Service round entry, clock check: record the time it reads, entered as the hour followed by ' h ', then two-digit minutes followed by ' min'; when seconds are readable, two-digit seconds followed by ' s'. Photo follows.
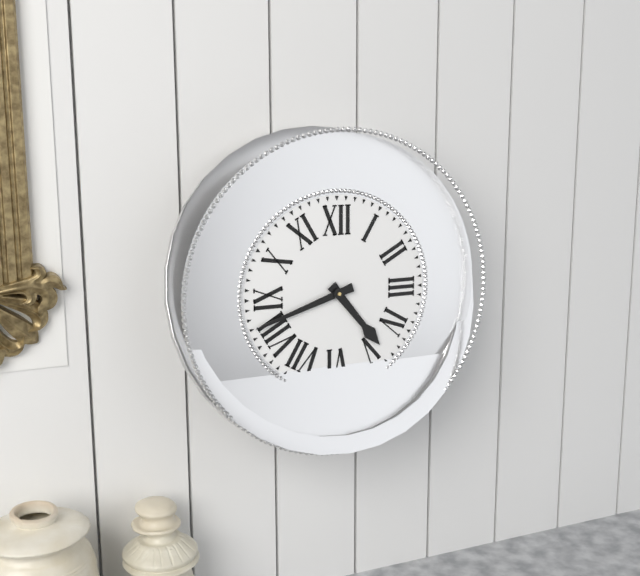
4 h 42 min
